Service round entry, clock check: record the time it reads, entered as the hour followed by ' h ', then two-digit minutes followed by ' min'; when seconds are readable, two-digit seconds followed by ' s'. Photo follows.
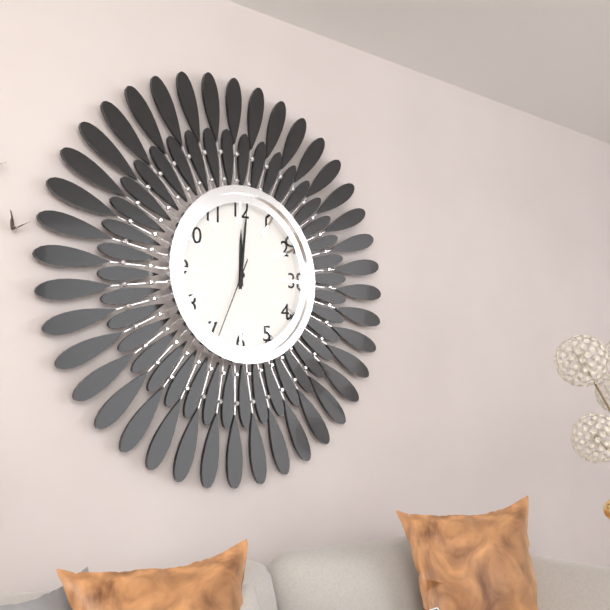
12 h 01 min 34 s
